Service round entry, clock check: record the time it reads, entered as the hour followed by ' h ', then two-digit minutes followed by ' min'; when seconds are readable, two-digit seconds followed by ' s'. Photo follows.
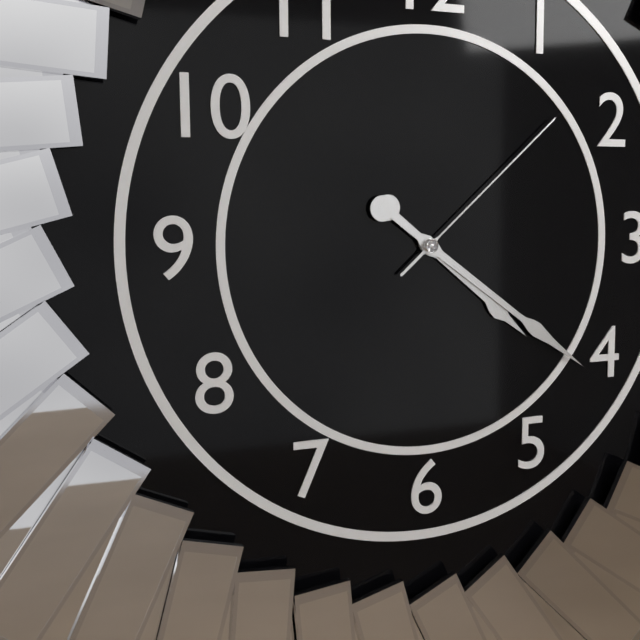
4 h 21 min 08 s
